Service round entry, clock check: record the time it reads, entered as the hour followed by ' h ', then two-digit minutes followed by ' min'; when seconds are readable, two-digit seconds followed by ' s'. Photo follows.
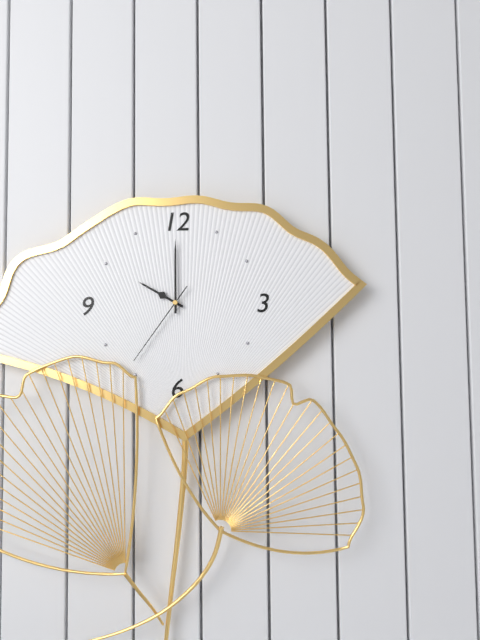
10 h 00 min 36 s
